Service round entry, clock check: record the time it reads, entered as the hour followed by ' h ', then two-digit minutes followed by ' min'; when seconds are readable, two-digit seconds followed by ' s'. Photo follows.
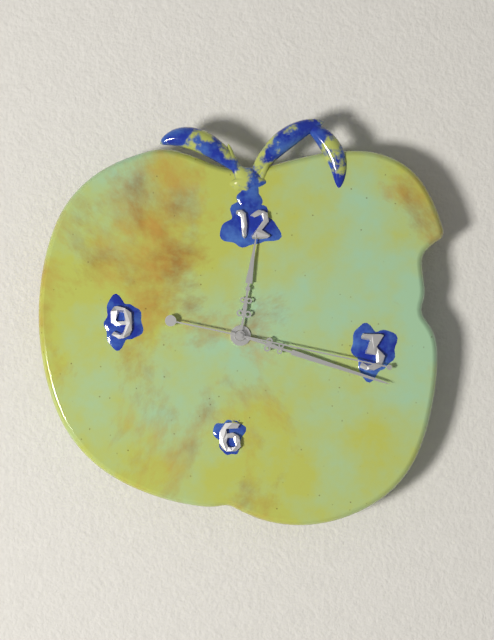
12 h 18 min 17 s
